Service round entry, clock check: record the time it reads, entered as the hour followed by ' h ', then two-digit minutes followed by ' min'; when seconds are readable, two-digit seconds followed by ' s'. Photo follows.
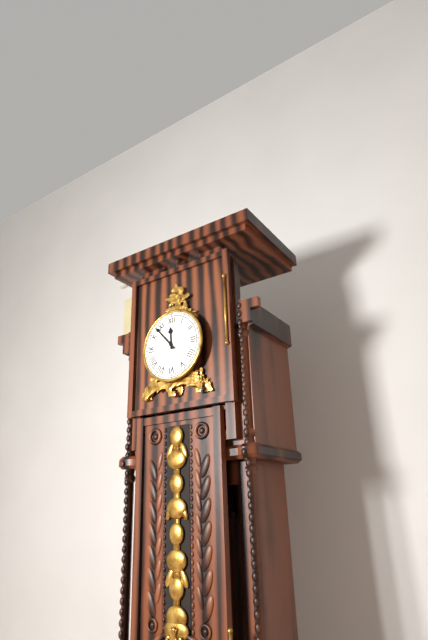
11 h 53 min
